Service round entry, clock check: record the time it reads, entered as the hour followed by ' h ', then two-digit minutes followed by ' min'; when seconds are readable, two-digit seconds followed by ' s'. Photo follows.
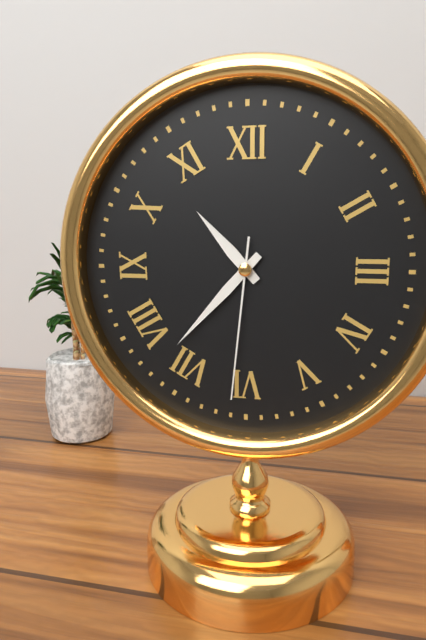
10 h 37 min 31 s
